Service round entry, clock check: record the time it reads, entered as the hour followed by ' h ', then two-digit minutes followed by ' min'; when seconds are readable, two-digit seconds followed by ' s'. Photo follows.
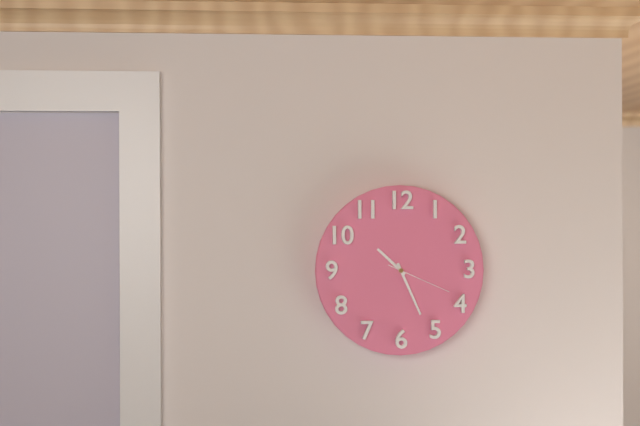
10 h 26 min 19 s
